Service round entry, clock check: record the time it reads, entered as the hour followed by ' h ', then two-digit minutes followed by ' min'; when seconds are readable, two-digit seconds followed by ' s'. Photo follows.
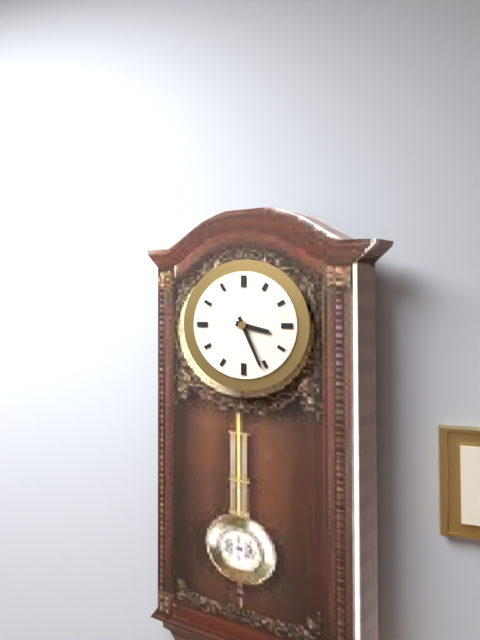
3 h 26 min
